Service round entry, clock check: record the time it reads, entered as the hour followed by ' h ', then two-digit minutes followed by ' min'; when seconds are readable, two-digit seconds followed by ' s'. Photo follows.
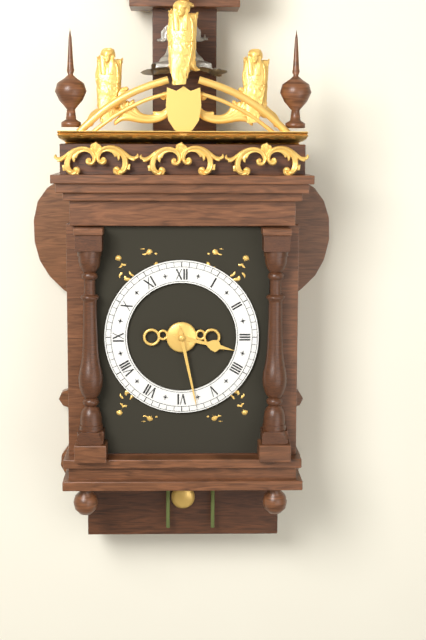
3 h 28 min
